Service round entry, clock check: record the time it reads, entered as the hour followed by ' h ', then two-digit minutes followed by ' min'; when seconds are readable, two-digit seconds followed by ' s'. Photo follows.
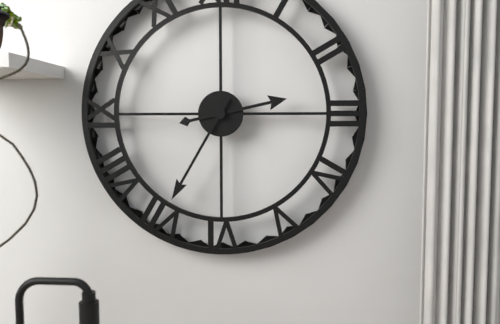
2 h 35 min
